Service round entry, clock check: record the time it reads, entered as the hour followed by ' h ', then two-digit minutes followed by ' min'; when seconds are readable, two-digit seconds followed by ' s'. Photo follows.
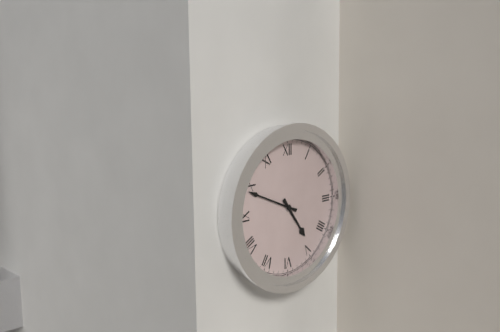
4 h 49 min
